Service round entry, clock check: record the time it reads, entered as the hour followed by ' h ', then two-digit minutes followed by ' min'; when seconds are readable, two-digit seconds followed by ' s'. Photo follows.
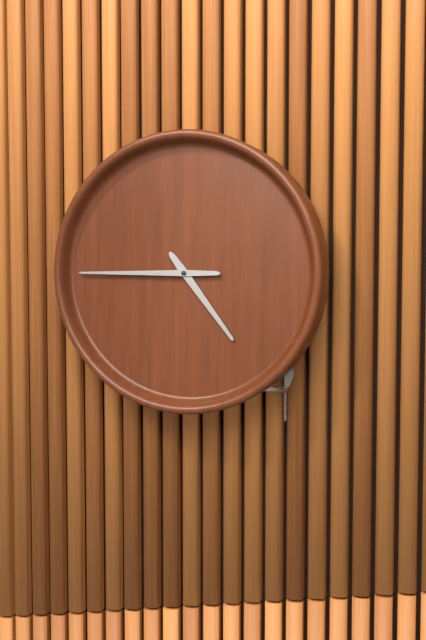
4 h 45 min
